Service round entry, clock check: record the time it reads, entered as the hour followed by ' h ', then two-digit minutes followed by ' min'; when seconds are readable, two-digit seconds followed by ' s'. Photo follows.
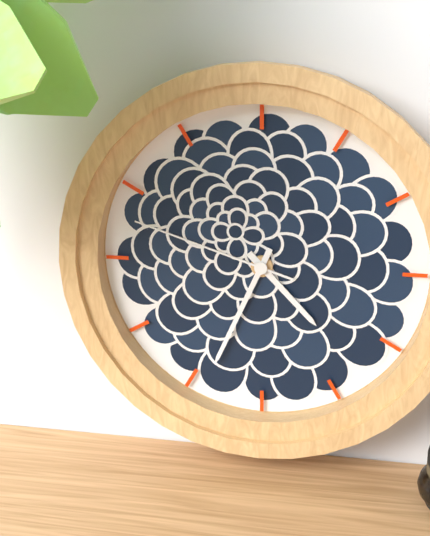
4 h 34 min 48 s
